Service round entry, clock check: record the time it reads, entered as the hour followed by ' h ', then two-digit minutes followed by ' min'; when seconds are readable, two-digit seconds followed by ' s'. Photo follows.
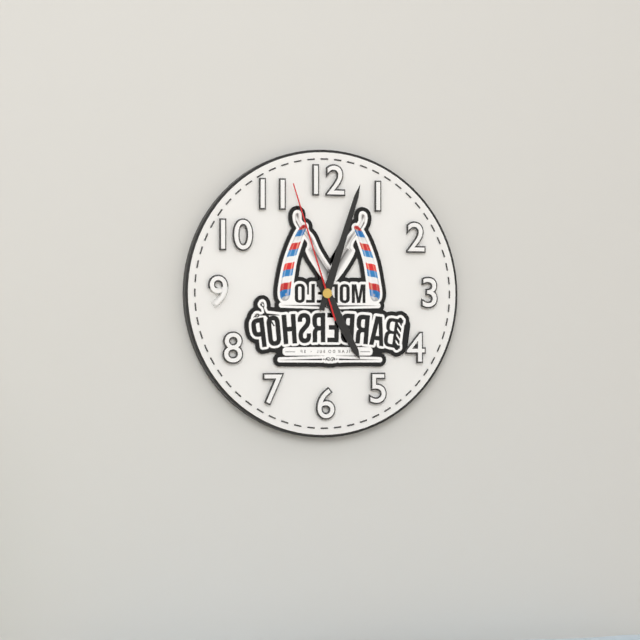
5 h 03 min 57 s
